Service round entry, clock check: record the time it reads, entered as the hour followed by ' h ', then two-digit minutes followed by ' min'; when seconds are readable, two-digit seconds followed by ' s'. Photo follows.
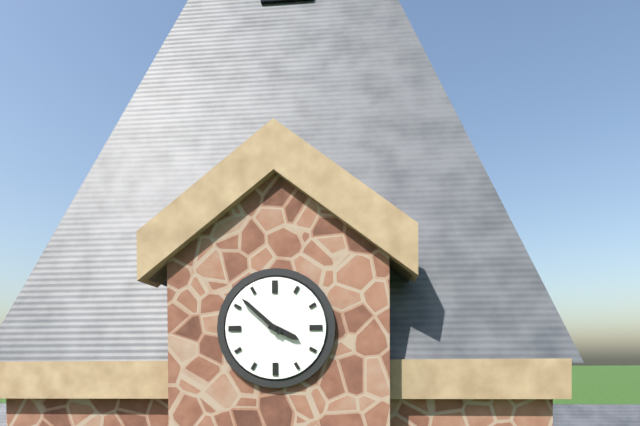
3 h 52 min
